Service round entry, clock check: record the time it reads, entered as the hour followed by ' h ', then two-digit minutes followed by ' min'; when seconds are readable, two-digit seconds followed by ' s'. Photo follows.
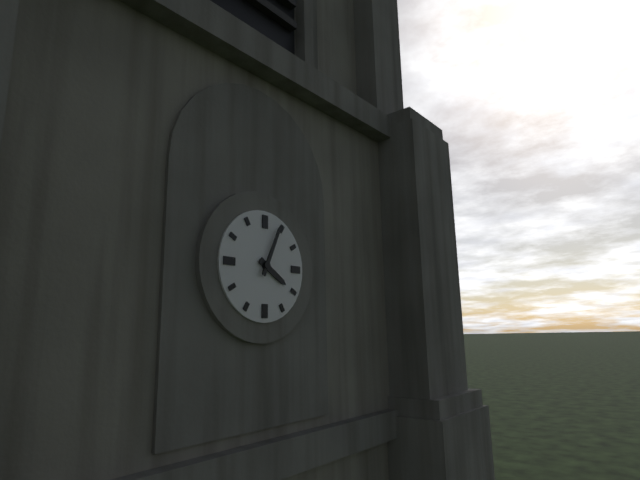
4 h 04 min
